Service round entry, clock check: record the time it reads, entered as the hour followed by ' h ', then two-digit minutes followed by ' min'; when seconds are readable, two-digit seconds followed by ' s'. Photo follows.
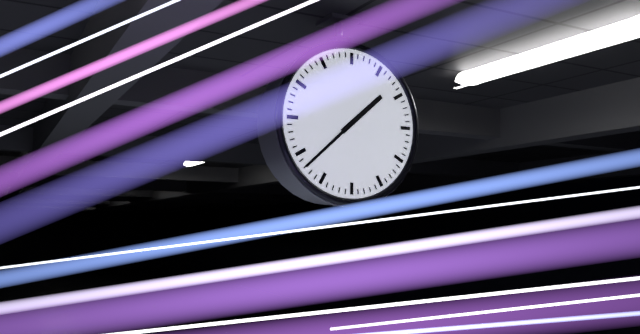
1 h 38 min
